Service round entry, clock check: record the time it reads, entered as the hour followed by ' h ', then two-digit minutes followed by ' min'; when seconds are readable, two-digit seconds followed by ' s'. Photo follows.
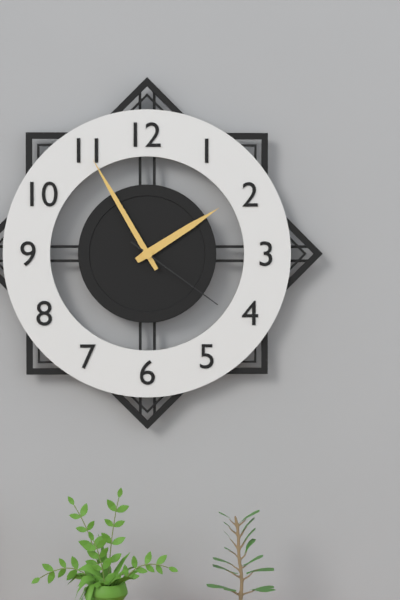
1 h 55 min 21 s
